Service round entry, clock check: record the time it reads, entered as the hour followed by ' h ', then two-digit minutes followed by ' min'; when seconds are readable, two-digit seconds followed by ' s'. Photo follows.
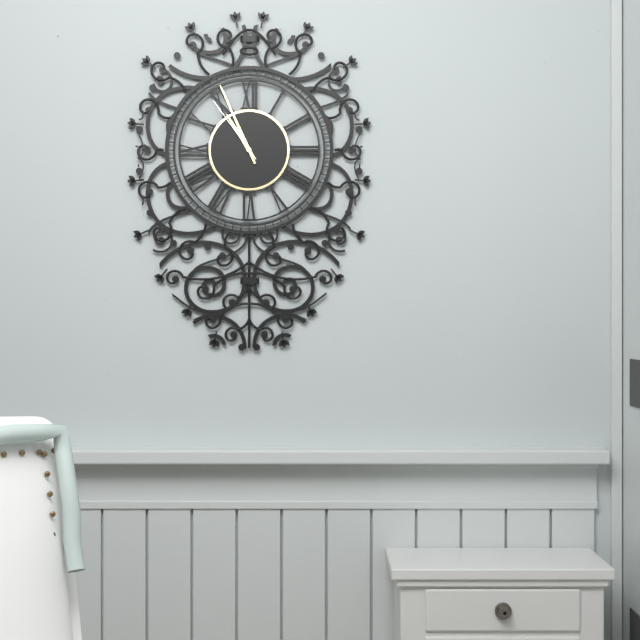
10 h 56 min 54 s
